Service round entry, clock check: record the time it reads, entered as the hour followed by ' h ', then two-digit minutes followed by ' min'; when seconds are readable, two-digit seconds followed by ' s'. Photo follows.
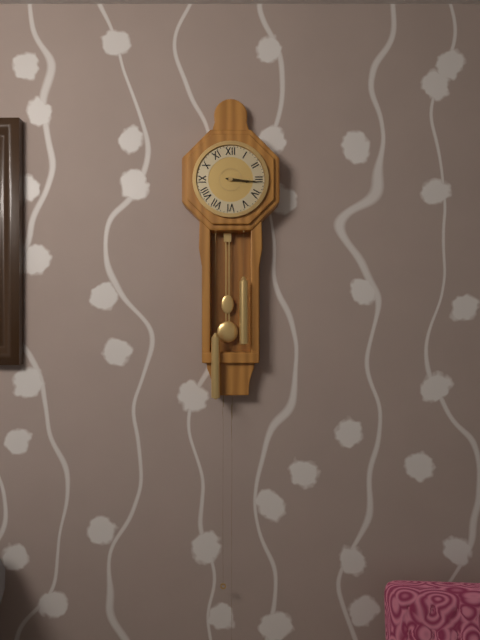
3 h 16 min
